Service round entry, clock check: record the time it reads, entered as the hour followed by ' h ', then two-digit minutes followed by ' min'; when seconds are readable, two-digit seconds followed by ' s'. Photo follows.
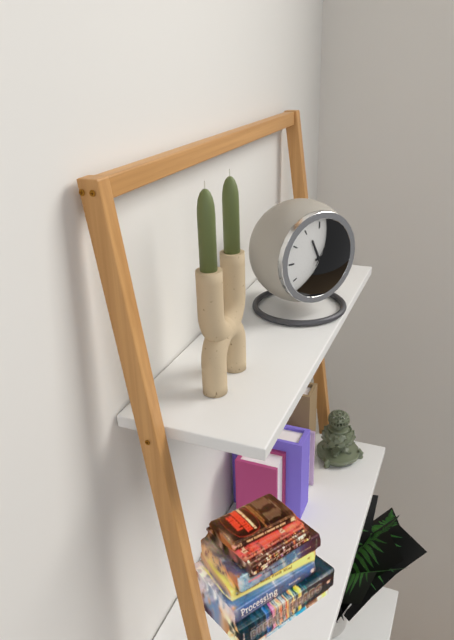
11 h 12 min
